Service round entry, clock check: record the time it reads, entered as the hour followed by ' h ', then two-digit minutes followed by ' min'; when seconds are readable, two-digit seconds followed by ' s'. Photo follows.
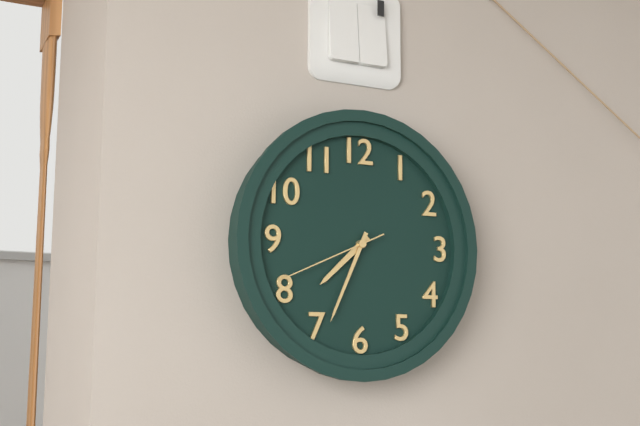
7 h 34 min 41 s
